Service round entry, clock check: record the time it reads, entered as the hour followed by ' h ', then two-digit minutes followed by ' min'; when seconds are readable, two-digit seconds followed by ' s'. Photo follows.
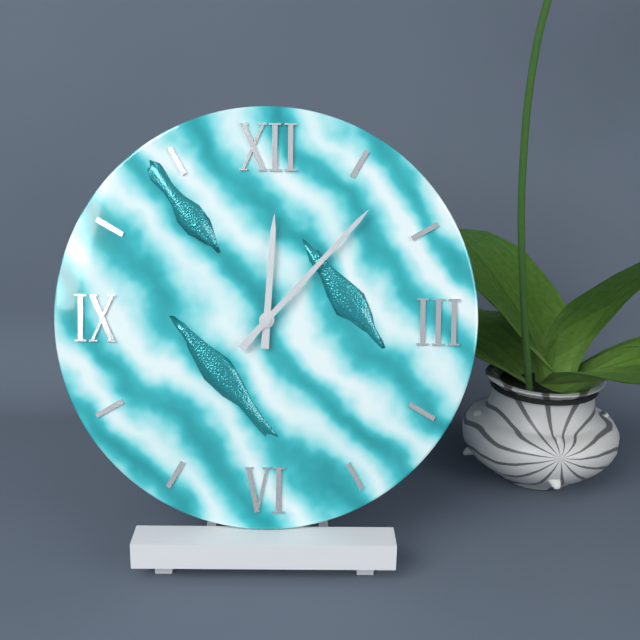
12 h 07 min
